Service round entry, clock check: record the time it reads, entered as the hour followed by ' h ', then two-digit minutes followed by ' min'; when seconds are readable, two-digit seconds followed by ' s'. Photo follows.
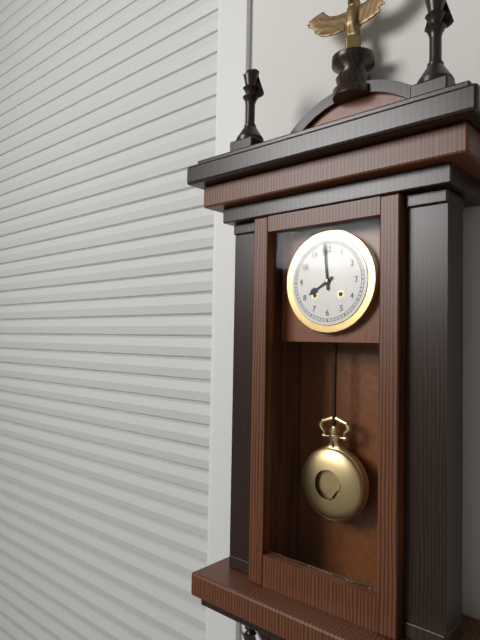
7 h 59 min
